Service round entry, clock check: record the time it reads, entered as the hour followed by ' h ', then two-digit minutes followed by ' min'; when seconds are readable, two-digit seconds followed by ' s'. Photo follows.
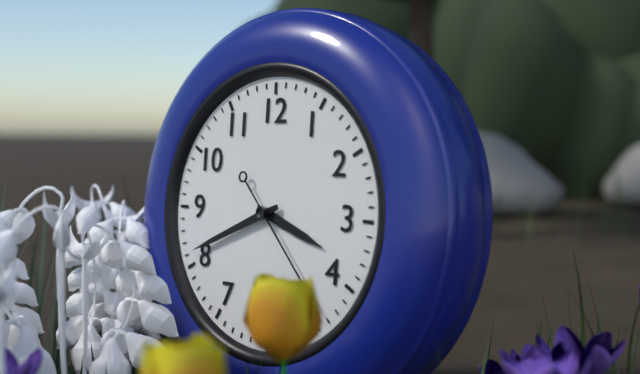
3 h 41 min
